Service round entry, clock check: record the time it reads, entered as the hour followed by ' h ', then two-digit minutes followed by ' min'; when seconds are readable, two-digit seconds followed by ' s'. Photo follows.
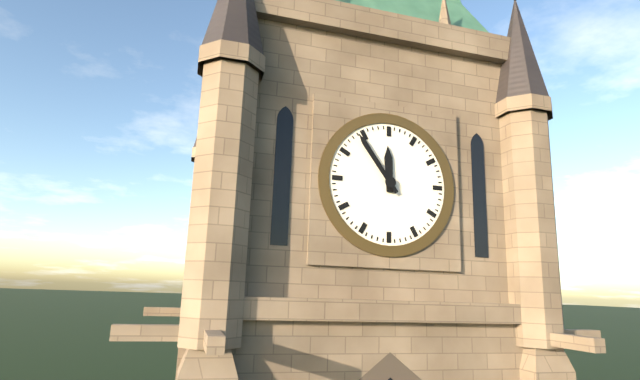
11 h 54 min
